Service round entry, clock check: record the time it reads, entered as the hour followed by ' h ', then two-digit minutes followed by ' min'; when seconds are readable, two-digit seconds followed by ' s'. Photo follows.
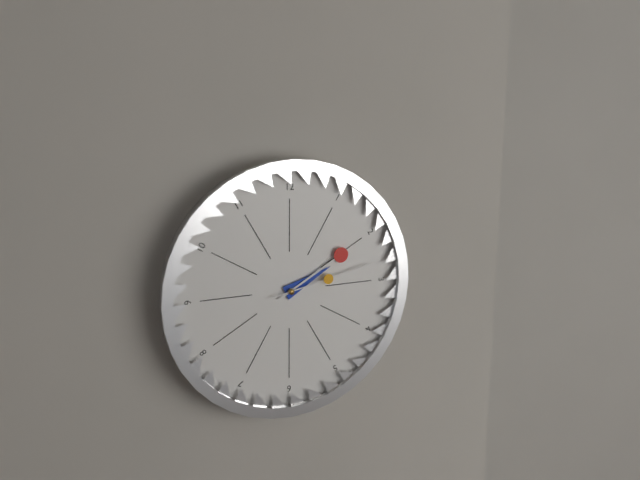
2 h 10 min 13 s
